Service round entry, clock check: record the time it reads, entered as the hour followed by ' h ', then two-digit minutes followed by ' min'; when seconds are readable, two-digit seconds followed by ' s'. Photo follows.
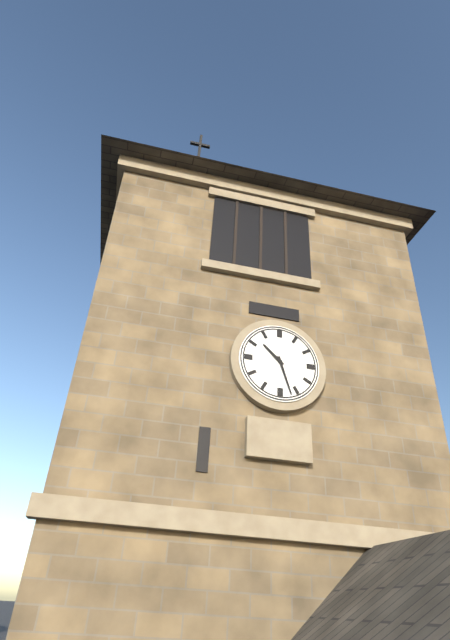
10 h 27 min
